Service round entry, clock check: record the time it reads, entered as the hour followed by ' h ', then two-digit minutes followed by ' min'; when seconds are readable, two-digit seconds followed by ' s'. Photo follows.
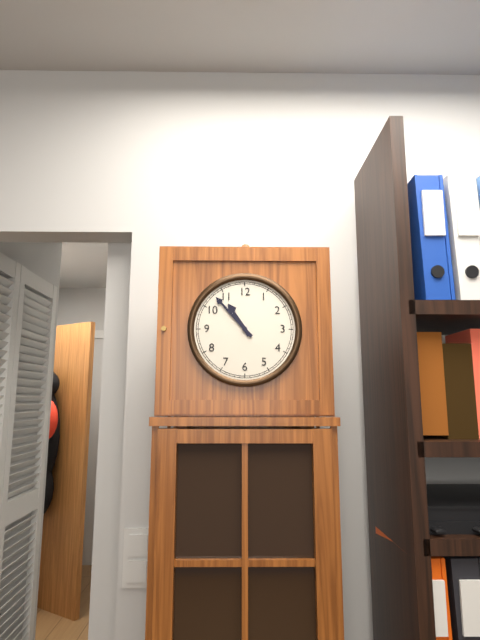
10 h 53 min
